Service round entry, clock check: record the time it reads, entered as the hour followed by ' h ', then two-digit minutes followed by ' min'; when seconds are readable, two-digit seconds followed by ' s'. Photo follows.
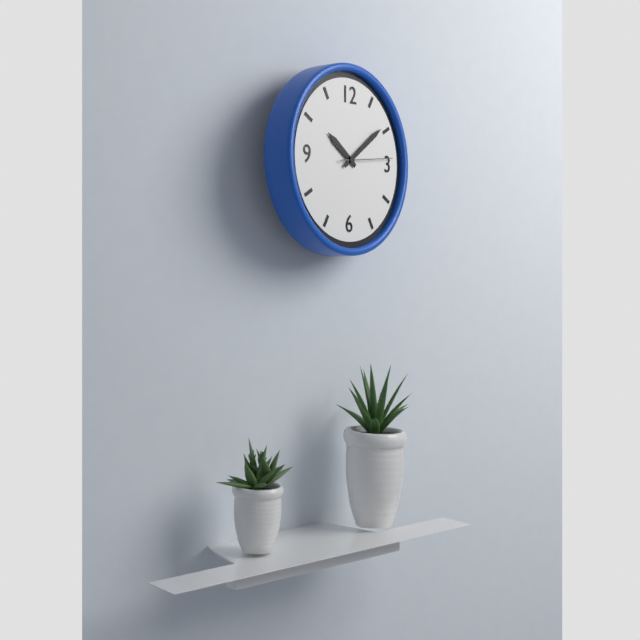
10 h 09 min 14 s
